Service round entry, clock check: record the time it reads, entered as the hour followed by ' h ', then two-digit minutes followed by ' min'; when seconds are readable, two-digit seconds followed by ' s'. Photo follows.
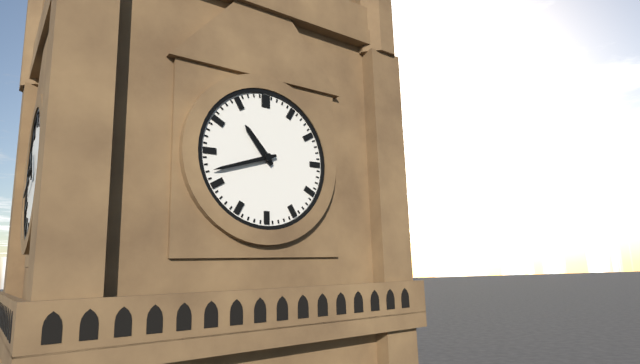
10 h 42 min
